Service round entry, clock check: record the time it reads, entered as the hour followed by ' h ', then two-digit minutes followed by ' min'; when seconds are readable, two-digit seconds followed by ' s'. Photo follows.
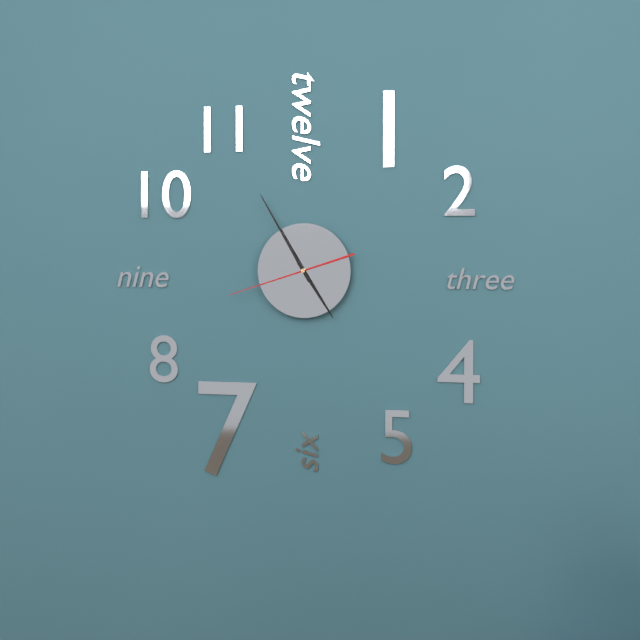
4 h 55 min 42 s
